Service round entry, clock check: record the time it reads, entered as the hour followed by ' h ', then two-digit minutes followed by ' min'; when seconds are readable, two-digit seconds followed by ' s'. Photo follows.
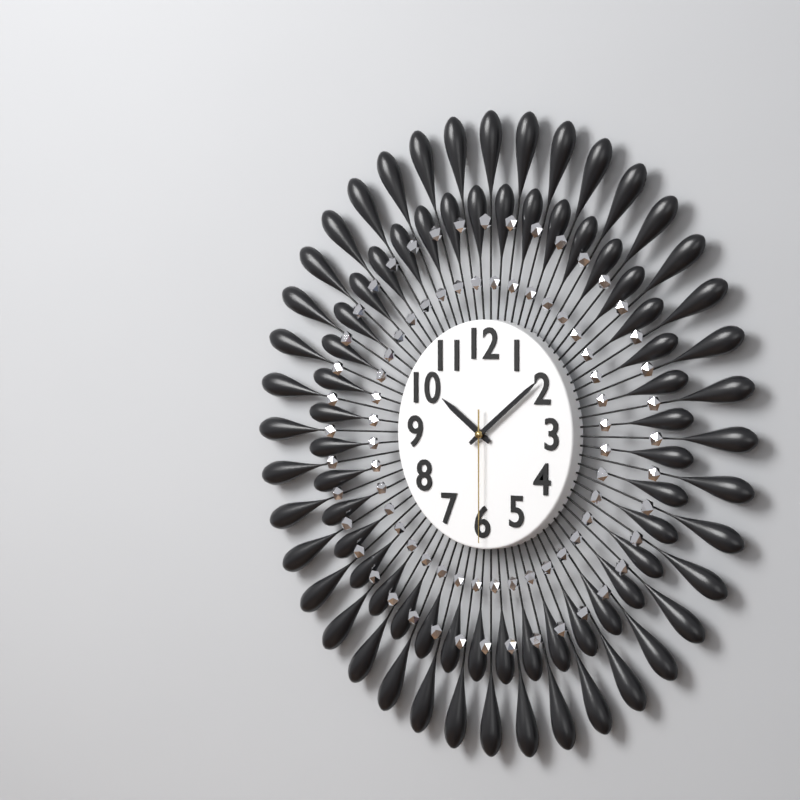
10 h 09 min 30 s
